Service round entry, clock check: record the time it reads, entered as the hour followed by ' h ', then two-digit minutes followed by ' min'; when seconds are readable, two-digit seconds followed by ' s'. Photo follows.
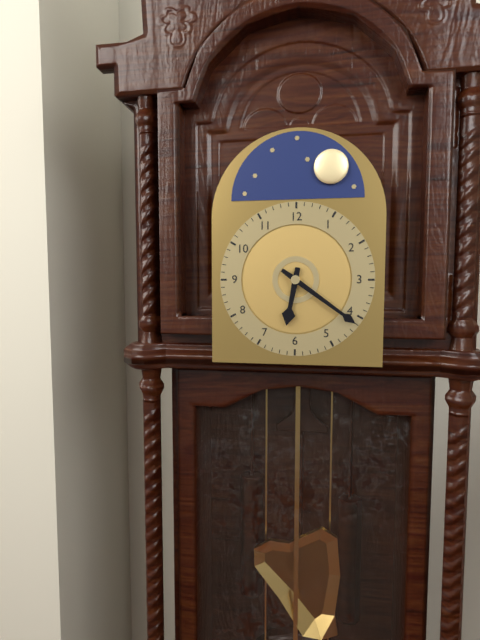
6 h 21 min
